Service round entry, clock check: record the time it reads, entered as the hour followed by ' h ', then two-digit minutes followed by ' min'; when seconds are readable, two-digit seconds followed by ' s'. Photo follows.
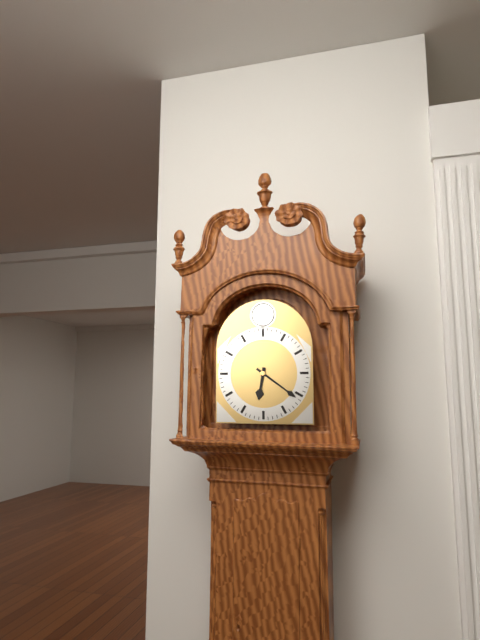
6 h 21 min
